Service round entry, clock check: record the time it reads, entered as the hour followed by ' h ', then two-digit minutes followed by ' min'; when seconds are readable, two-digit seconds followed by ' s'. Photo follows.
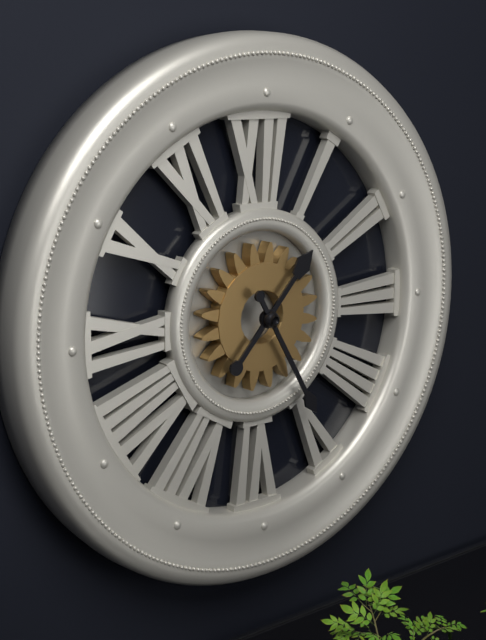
1 h 25 min
